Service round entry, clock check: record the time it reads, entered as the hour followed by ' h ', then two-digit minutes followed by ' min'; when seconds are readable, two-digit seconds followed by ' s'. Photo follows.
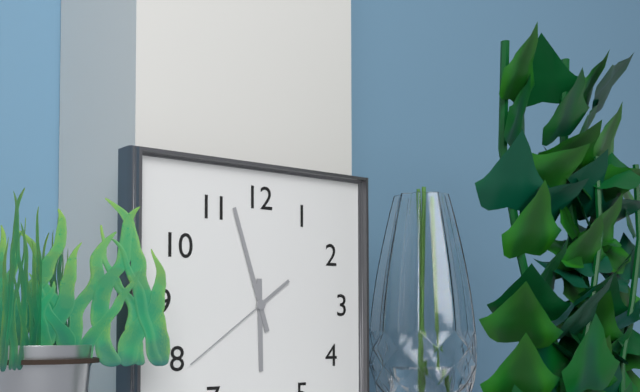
5 h 57 min 39 s
